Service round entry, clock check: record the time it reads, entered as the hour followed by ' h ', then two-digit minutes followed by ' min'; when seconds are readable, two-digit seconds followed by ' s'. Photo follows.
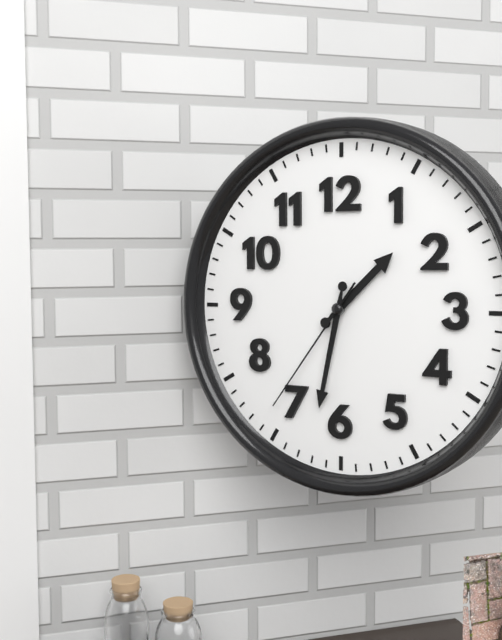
1 h 32 min 36 s
